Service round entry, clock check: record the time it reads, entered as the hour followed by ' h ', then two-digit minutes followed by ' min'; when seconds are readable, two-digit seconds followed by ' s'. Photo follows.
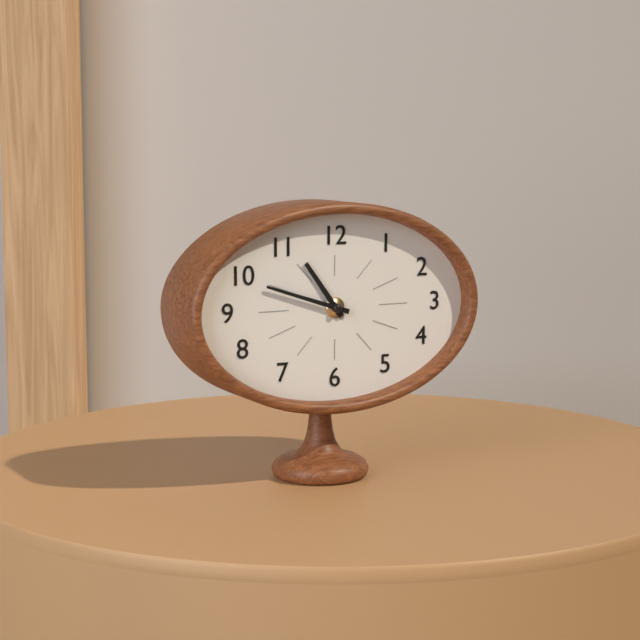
10 h 48 min
